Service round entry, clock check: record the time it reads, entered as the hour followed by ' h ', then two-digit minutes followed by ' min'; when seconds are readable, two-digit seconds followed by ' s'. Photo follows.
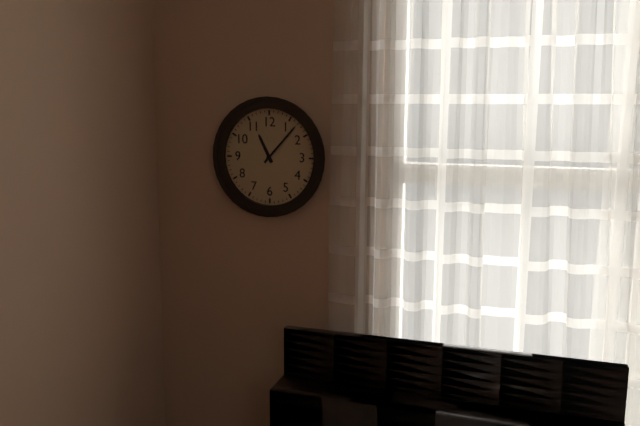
11 h 07 min
